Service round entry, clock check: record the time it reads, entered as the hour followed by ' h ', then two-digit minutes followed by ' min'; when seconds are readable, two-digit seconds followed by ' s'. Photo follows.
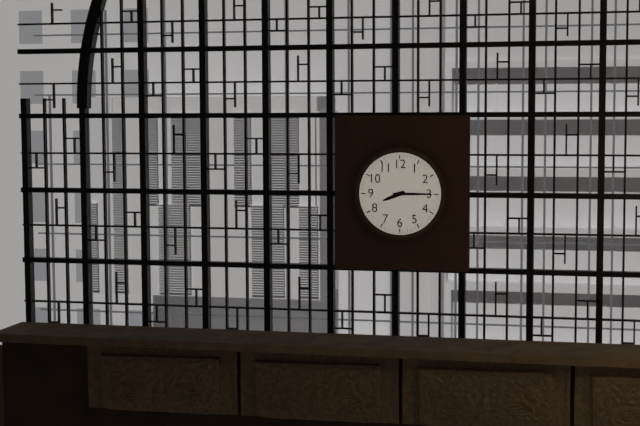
8 h 15 min
